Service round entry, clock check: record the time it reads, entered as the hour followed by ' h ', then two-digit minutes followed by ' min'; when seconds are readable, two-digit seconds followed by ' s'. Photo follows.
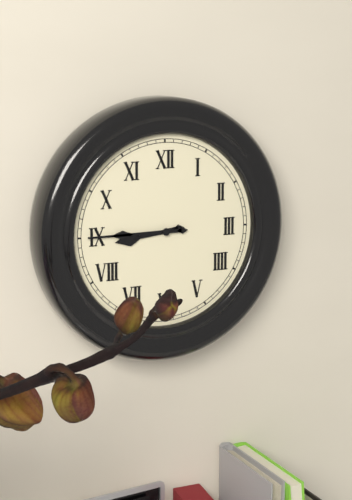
8 h 45 min
